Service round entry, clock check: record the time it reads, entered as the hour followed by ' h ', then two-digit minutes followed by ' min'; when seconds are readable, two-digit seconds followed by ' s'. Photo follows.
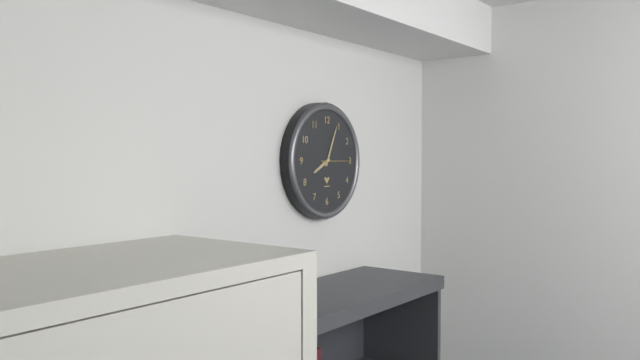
8 h 04 min
